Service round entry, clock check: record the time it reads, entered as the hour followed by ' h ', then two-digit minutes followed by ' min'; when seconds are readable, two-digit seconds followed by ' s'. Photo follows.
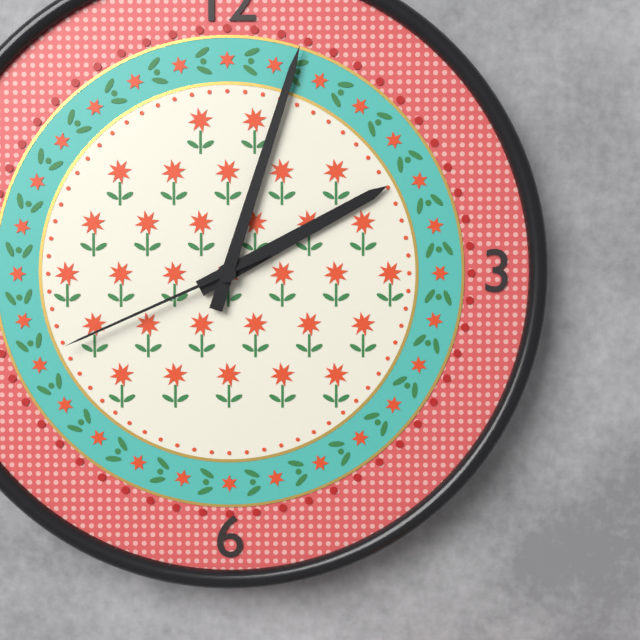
2 h 03 min 41 s
